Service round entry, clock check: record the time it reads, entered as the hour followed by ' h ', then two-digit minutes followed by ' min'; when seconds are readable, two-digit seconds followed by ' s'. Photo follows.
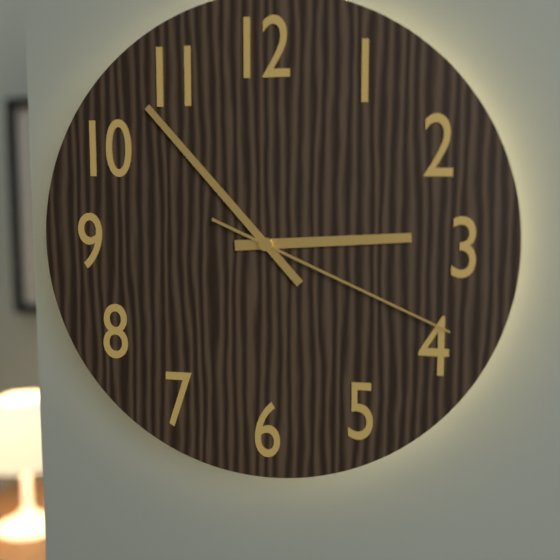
2 h 53 min 19 s
